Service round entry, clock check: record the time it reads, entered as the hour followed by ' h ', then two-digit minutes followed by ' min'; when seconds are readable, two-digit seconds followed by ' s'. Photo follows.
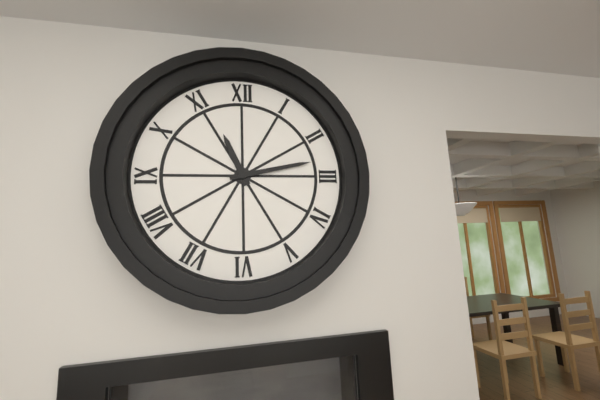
11 h 13 min
